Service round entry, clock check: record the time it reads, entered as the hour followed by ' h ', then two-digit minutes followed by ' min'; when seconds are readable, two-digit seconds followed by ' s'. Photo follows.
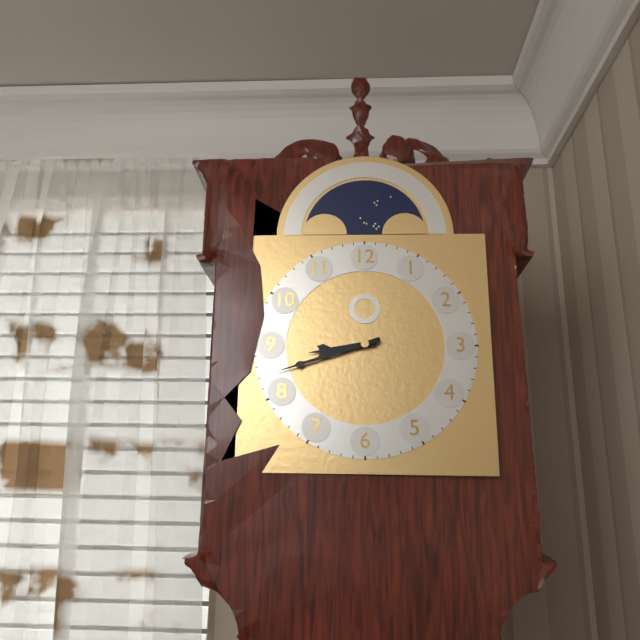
8 h 42 min
